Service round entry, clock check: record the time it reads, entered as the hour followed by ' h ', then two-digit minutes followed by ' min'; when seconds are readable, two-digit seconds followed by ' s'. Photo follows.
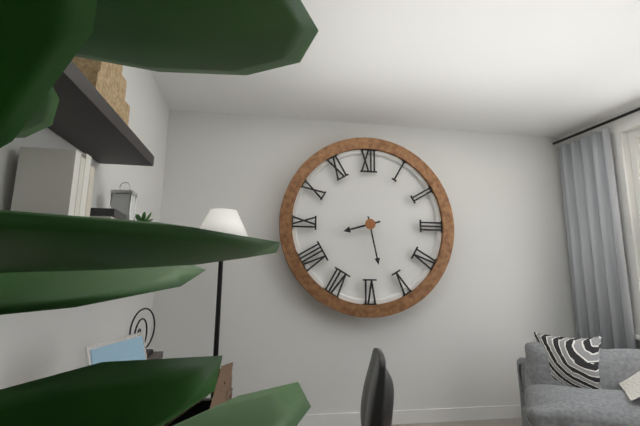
8 h 28 min
